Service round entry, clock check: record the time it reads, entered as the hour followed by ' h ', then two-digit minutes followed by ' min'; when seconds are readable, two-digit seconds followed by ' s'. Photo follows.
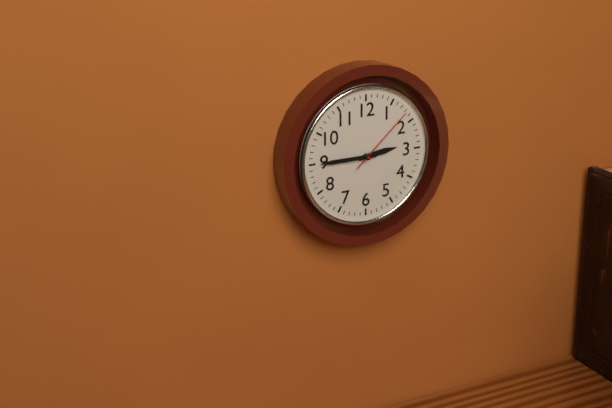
2 h 45 min 08 s
